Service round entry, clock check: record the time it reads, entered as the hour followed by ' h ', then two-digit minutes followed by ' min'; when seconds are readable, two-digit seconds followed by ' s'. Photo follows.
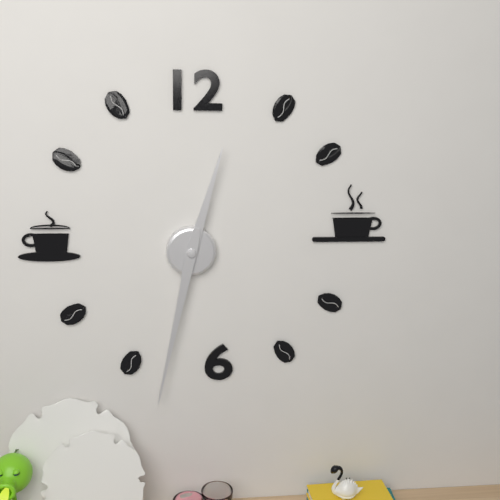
12 h 32 min
